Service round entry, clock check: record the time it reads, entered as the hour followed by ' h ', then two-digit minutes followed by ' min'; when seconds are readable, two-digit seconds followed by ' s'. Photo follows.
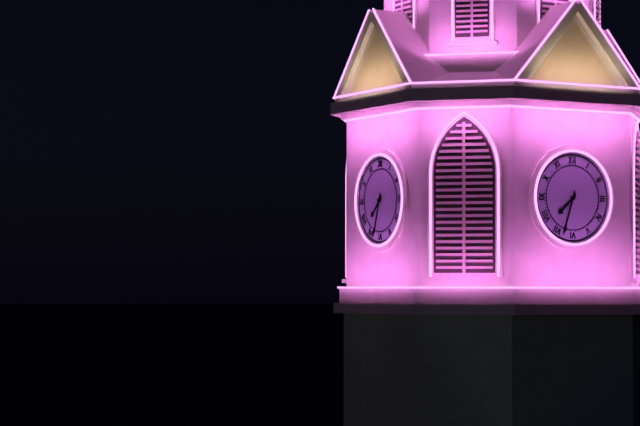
7 h 33 min
